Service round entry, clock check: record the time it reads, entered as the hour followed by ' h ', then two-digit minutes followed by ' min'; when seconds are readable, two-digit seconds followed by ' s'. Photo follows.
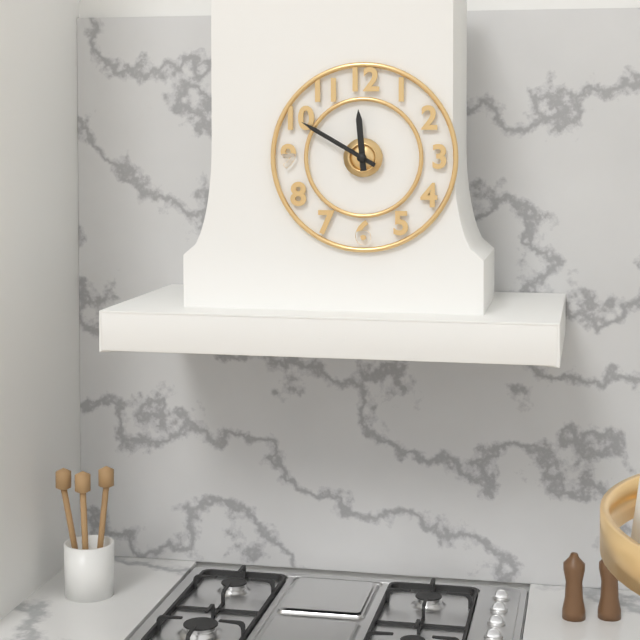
11 h 50 min
